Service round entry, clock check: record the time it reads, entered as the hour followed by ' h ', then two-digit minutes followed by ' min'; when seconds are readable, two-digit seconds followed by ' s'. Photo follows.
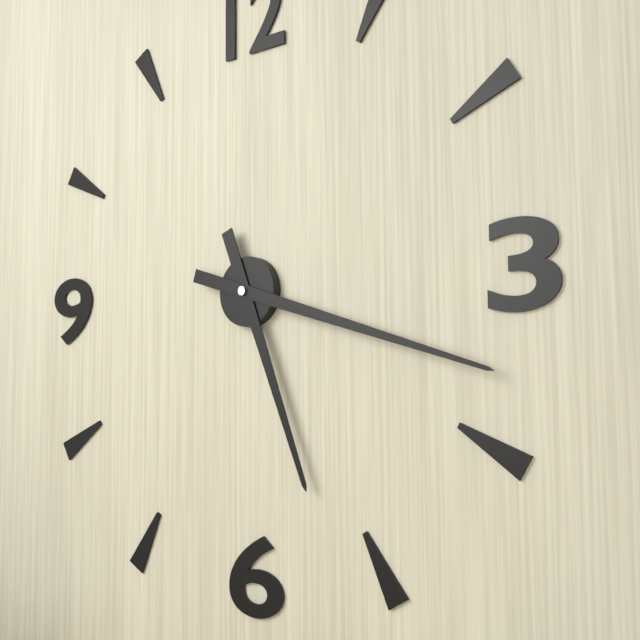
5 h 18 min
